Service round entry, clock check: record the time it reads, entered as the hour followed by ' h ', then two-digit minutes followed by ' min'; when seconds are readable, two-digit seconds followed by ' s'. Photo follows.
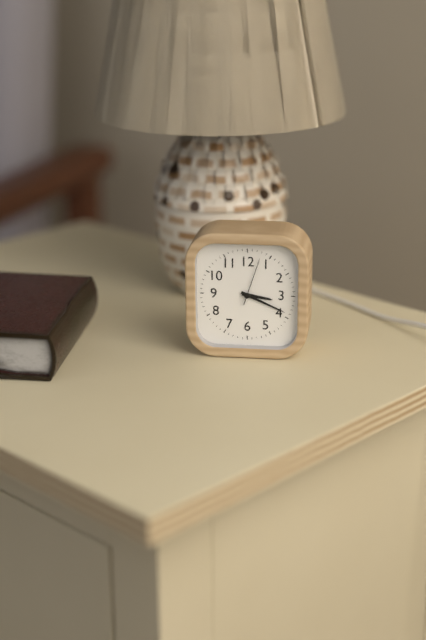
3 h 19 min 03 s
